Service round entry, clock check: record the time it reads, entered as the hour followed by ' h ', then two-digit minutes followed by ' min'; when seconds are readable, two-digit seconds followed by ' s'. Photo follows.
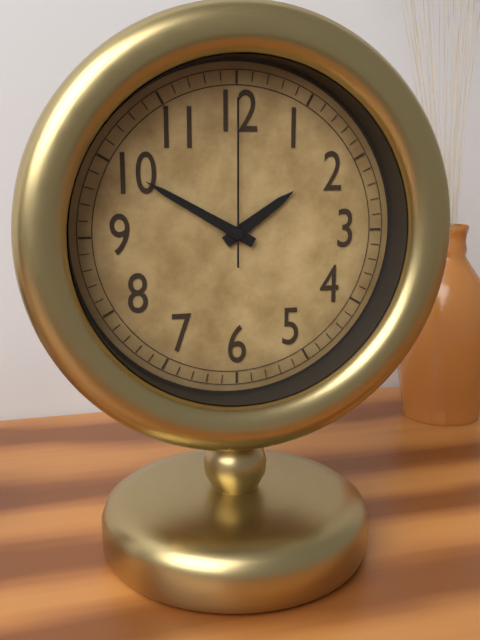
1 h 50 min 00 s
